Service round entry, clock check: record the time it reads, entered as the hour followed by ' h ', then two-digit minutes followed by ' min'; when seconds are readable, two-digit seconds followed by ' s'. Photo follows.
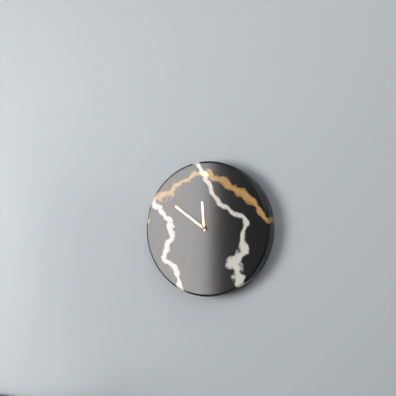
11 h 51 min
